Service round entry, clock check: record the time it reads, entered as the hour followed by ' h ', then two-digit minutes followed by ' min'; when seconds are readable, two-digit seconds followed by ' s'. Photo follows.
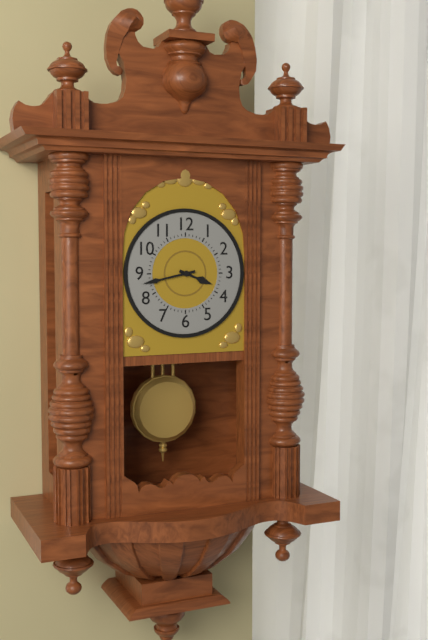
3 h 43 min
